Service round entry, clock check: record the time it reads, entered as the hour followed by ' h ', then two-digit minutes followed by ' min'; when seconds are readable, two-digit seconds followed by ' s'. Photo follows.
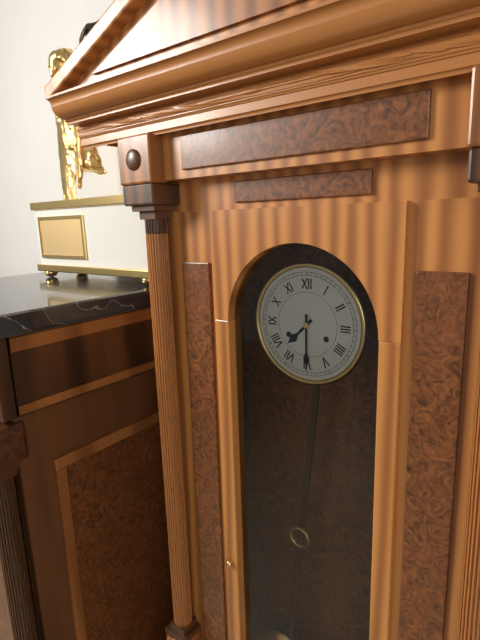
7 h 30 min
